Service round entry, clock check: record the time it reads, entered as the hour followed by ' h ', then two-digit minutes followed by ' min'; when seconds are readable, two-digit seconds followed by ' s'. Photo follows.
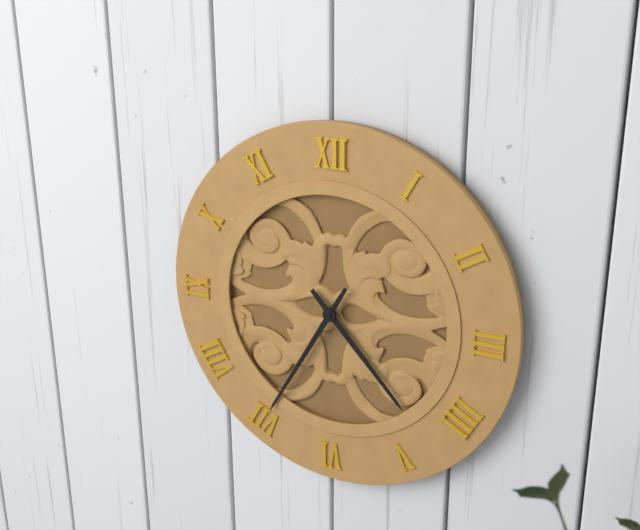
4 h 35 min
